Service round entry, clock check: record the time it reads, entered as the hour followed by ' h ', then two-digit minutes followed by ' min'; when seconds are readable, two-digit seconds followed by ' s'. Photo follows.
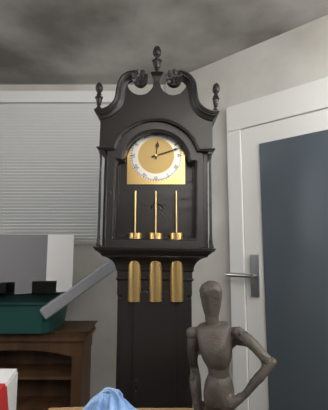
12 h 12 min
